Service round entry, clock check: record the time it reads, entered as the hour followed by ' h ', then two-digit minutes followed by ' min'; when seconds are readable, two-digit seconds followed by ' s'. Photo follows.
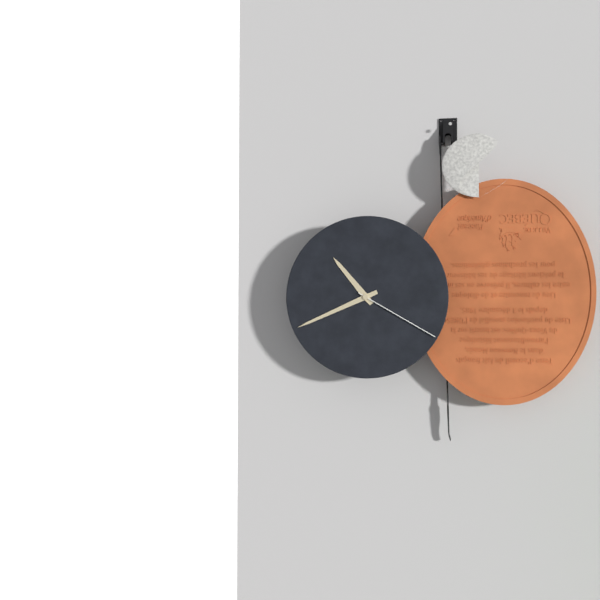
10 h 41 min 20 s
